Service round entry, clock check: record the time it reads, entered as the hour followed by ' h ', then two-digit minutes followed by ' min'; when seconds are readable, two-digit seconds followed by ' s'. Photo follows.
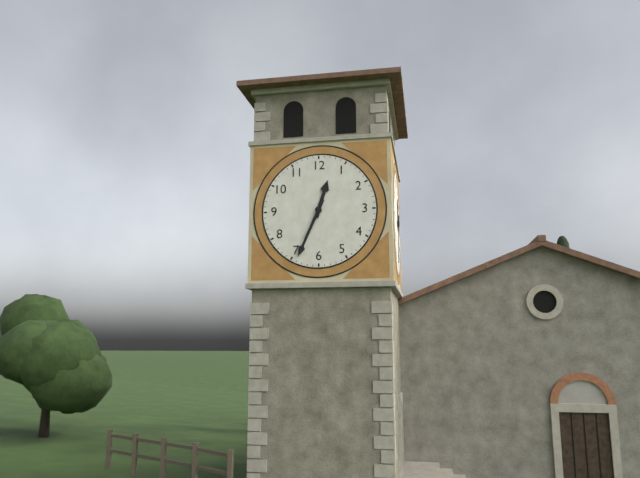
12 h 34 min
